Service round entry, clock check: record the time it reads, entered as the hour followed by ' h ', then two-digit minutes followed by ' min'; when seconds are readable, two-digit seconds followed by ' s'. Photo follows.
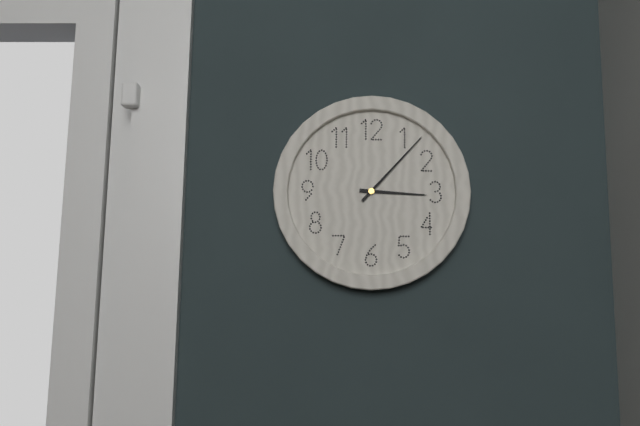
3 h 07 min
